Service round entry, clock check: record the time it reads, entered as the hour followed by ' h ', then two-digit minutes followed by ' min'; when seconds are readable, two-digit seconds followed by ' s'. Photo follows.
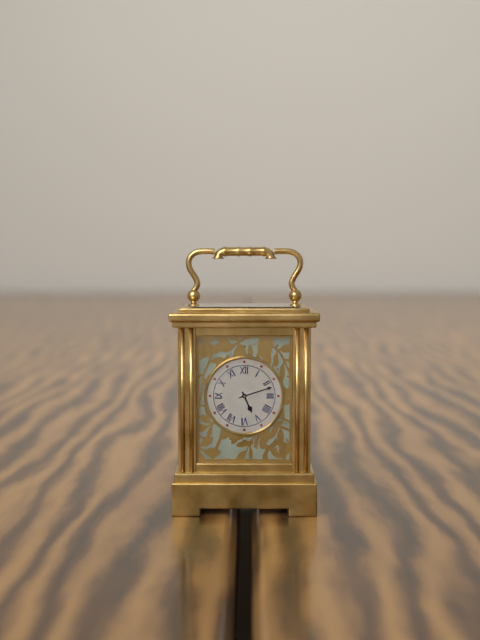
5 h 12 min
